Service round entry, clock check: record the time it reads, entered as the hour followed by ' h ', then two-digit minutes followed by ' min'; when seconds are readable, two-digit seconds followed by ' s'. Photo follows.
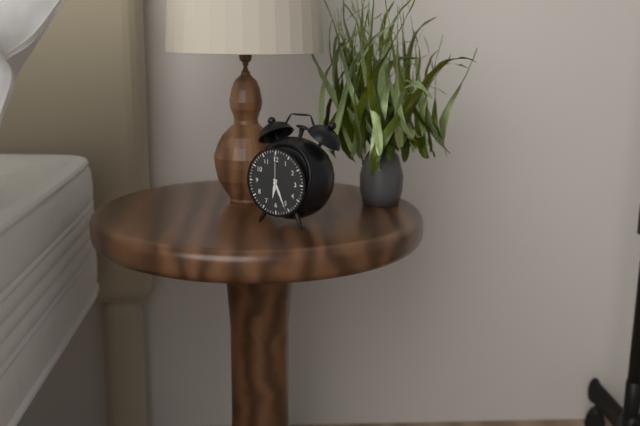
6 h 26 min
